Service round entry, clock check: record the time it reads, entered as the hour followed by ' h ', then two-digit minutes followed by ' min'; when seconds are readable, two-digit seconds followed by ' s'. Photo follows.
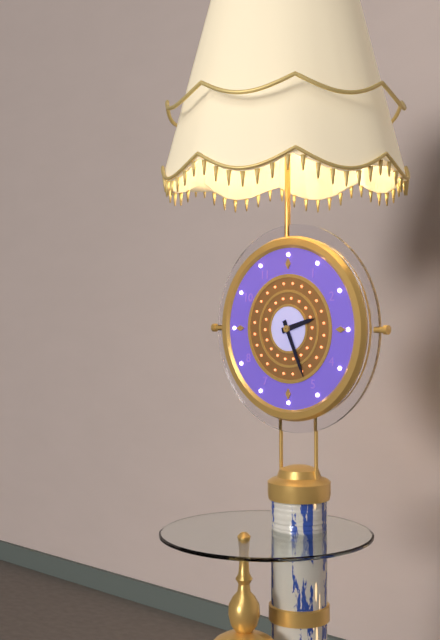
2 h 26 min
